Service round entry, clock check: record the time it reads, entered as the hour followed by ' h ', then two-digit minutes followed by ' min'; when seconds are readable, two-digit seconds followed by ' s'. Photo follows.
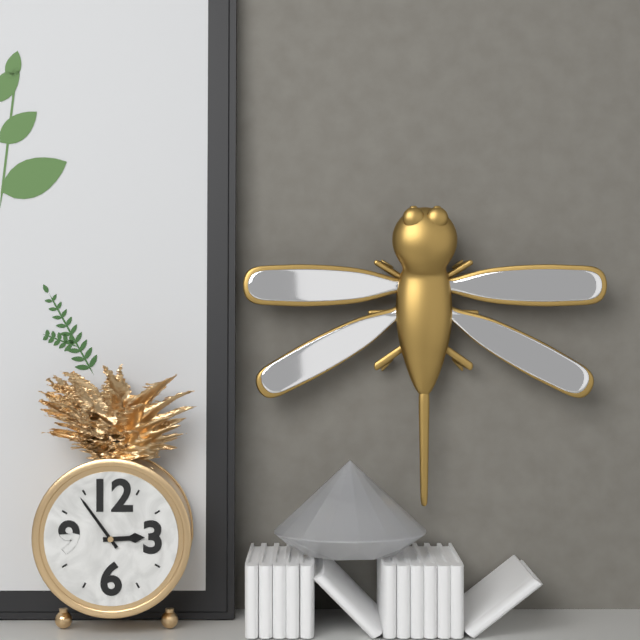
2 h 54 min
